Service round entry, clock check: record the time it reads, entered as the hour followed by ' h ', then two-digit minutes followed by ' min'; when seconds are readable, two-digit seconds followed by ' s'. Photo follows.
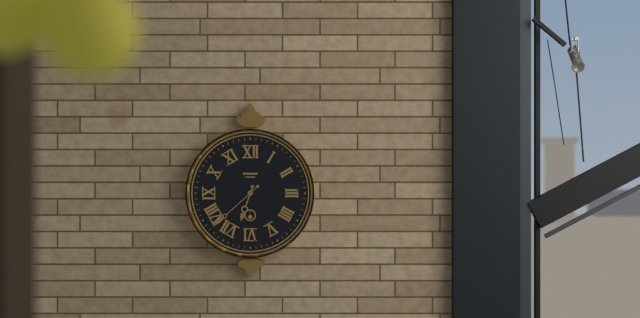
6 h 38 min
